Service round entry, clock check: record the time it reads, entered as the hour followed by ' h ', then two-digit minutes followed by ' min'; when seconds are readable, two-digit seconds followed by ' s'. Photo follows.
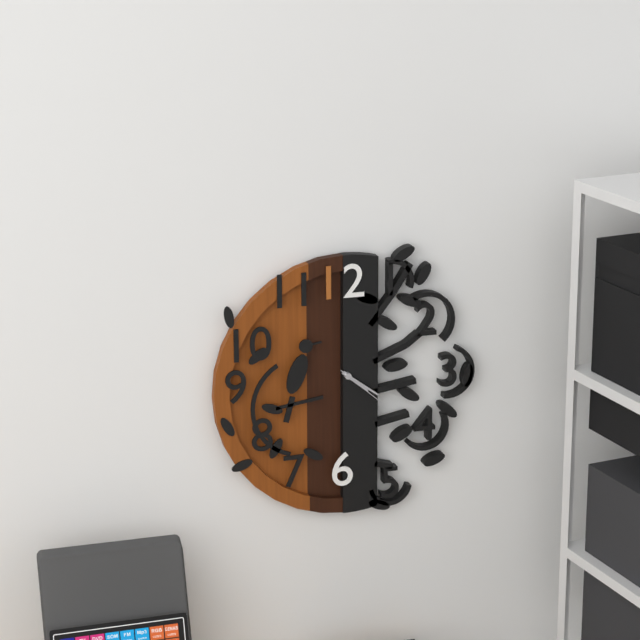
4 h 21 min 22 s
